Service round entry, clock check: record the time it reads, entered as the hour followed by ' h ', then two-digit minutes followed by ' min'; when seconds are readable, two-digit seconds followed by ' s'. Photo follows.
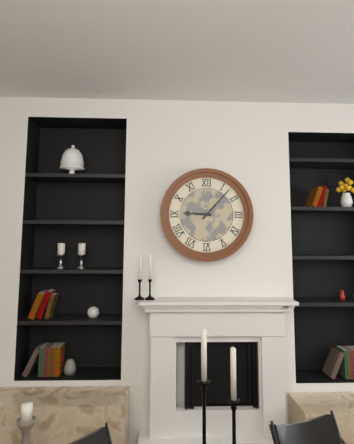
9 h 07 min
